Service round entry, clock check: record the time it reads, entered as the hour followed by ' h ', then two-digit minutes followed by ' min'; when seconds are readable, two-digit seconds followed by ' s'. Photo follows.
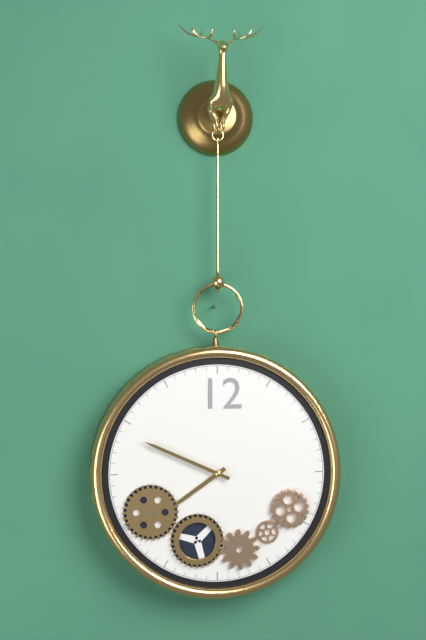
7 h 49 min
